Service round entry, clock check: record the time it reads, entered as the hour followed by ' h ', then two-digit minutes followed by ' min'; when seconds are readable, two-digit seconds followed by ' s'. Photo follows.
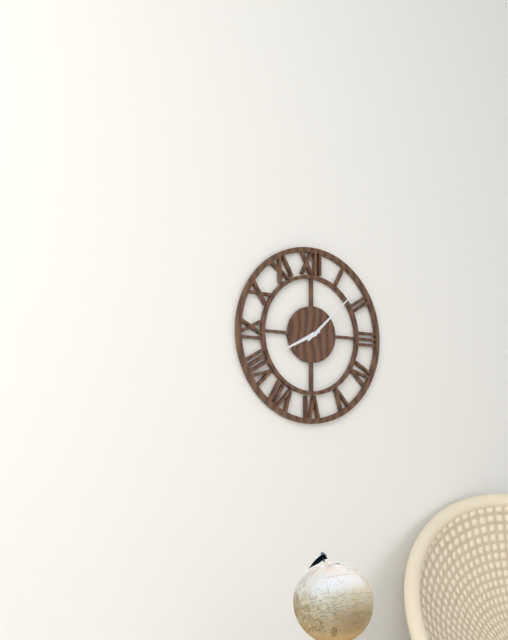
8 h 08 min
